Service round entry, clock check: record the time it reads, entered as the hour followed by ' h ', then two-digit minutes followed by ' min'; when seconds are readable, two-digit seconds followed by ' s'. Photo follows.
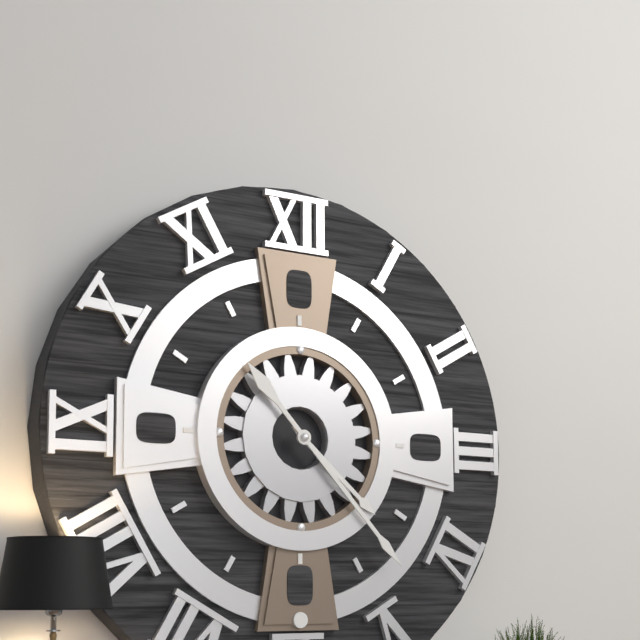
4 h 23 min
